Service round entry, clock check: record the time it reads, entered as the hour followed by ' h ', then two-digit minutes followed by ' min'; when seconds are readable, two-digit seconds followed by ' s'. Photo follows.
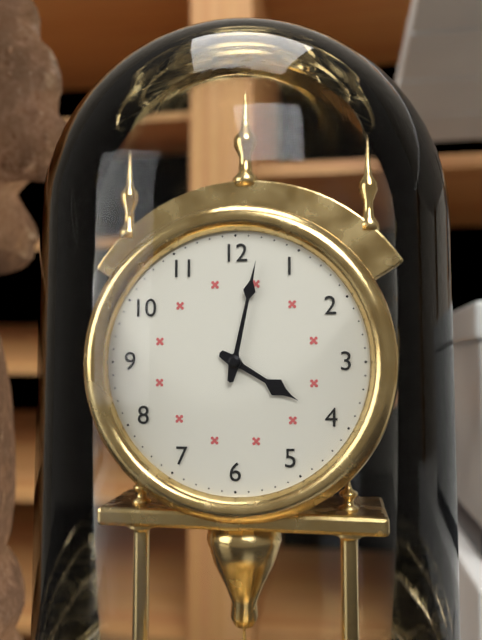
4 h 02 min
